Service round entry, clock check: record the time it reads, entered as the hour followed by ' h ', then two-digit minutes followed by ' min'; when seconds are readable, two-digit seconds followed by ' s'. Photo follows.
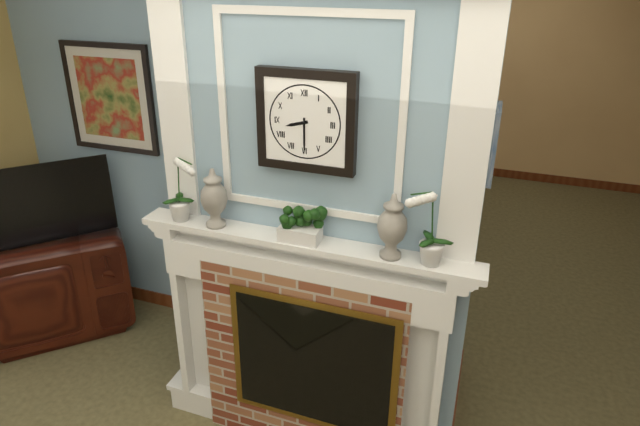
8 h 30 min
